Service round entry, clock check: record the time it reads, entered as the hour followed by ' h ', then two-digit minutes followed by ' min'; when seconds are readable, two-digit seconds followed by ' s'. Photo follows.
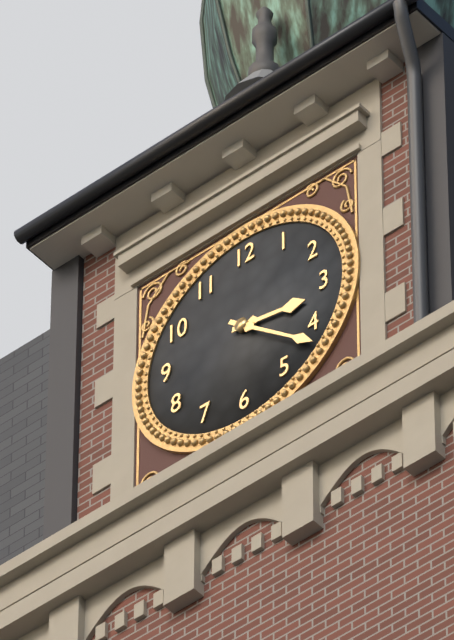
3 h 22 min
